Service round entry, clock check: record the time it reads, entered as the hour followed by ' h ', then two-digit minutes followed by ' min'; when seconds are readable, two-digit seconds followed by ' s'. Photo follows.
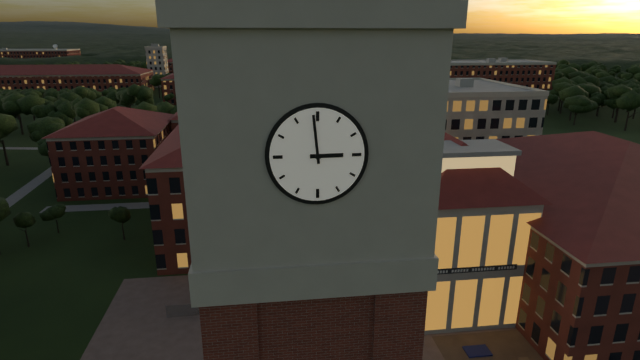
2 h 59 min
